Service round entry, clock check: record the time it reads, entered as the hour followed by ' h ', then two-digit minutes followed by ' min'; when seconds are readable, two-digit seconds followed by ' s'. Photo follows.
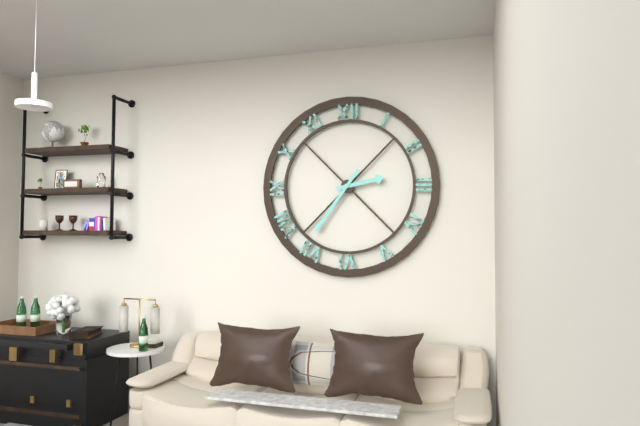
2 h 36 min
